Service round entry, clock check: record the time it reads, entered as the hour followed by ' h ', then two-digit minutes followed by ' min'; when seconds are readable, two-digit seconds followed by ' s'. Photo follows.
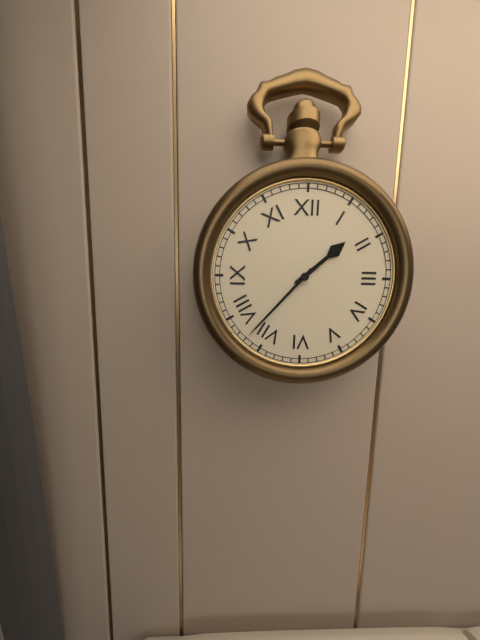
1 h 37 min
